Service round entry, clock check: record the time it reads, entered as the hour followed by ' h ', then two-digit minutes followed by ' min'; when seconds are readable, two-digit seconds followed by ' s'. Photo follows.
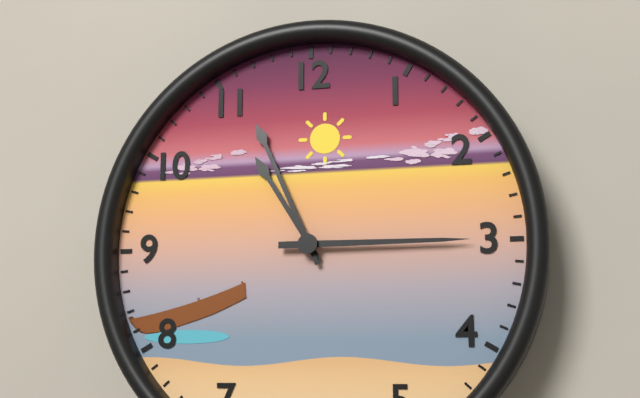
10 h 56 min 15 s
